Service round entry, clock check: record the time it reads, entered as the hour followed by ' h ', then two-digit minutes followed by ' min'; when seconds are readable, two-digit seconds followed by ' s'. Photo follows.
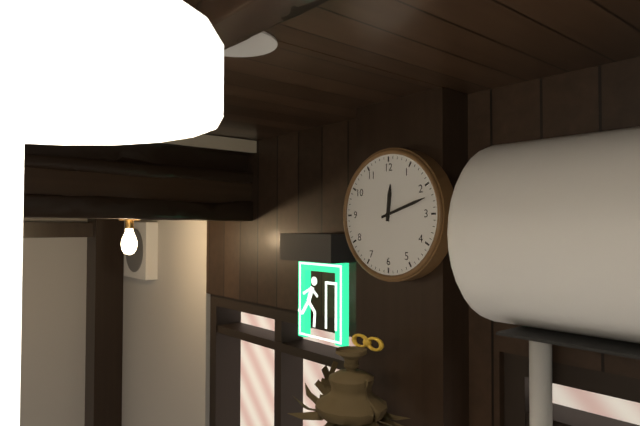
12 h 12 min
